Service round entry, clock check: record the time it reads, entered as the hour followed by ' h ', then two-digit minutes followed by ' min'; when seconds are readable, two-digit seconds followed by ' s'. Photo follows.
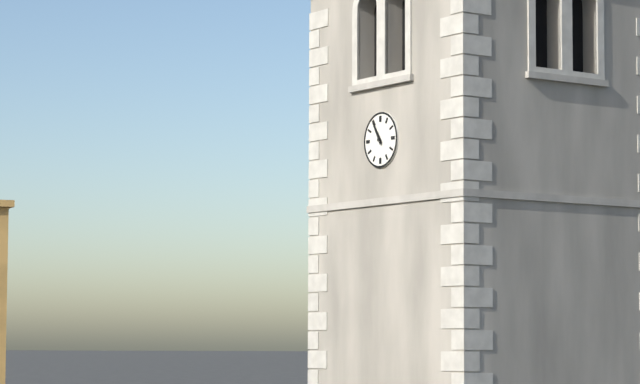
10 h 55 min
